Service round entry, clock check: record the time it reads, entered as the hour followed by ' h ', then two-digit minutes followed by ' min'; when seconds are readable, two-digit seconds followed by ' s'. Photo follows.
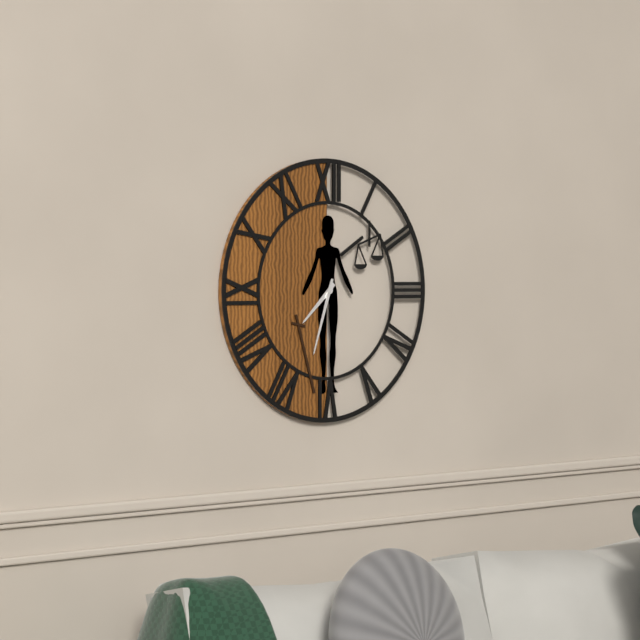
7 h 33 min
